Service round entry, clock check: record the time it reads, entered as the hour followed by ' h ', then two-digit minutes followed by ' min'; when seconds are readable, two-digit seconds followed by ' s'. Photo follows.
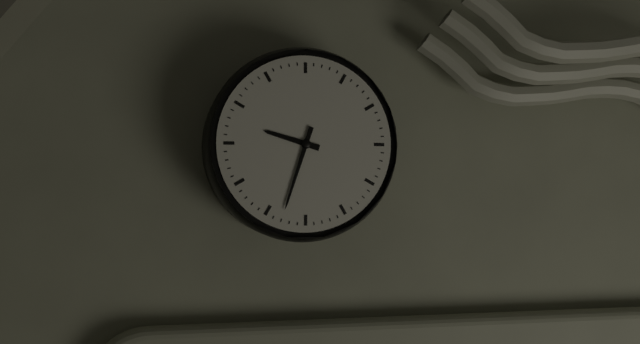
9 h 33 min
